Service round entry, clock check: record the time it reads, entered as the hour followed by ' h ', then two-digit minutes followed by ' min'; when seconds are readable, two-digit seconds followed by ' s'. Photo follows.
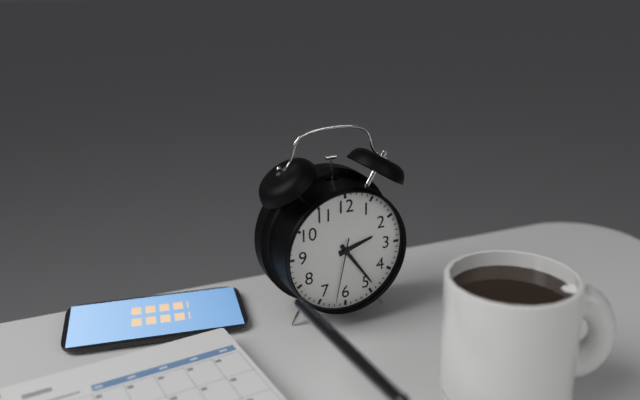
2 h 24 min 32 s
